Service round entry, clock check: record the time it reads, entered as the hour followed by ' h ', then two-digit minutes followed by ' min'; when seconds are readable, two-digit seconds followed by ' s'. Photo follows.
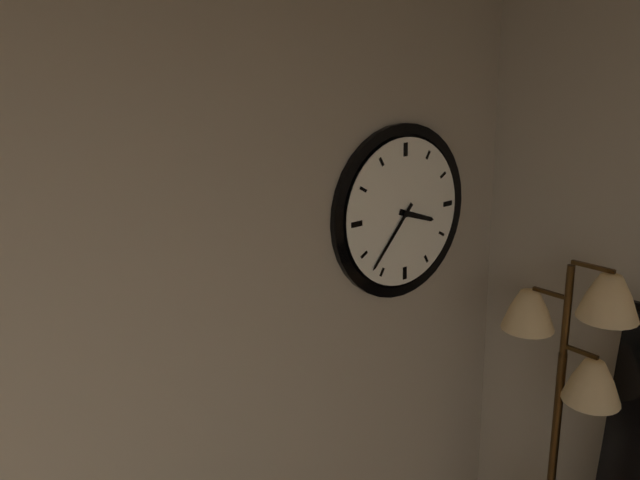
3 h 37 min
